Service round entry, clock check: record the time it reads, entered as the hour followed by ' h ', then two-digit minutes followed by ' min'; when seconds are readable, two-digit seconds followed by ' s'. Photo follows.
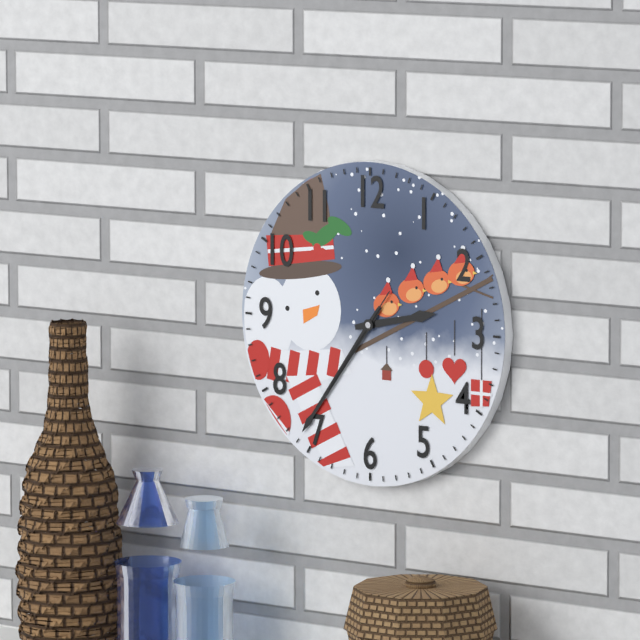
2 h 36 min 36 s
